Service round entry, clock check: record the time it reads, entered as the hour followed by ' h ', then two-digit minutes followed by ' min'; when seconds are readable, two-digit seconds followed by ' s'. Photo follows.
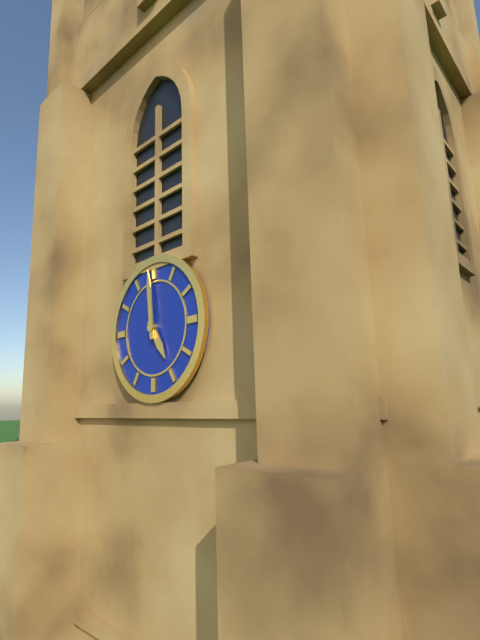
4 h 59 min
